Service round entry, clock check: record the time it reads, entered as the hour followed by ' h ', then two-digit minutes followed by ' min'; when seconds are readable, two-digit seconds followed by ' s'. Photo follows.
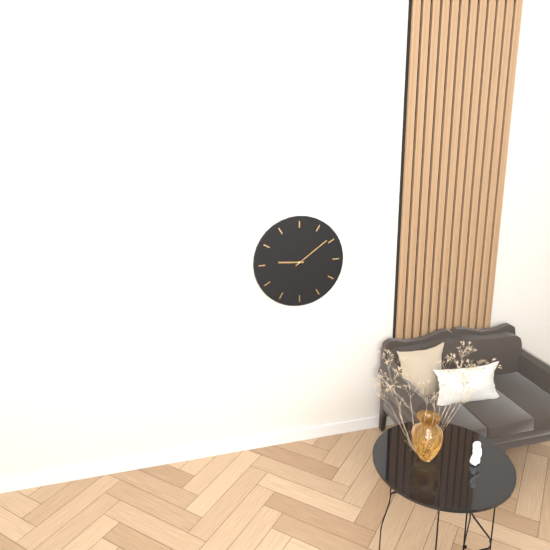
9 h 09 min
